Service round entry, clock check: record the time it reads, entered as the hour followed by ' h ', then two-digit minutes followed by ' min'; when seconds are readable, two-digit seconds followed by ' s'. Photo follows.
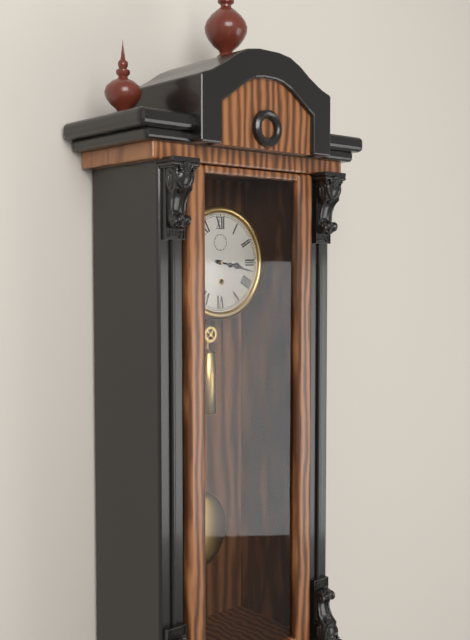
3 h 17 min
